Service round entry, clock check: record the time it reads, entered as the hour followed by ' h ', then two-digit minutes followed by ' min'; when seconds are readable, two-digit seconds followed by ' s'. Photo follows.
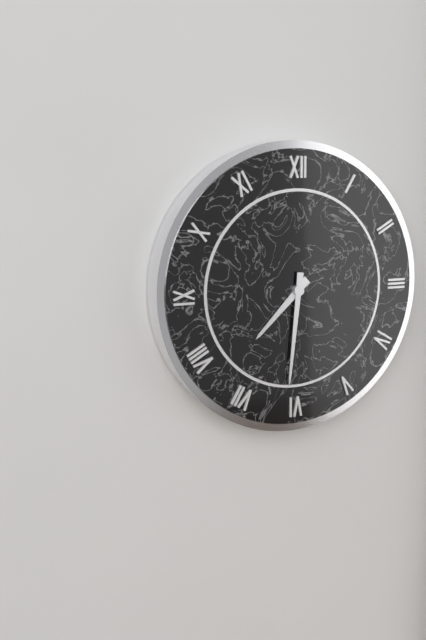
7 h 31 min
